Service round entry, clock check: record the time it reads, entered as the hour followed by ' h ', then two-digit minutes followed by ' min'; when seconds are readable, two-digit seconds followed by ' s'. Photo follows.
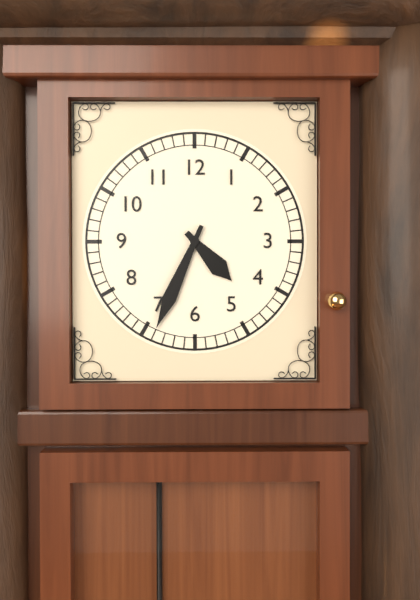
4 h 34 min
